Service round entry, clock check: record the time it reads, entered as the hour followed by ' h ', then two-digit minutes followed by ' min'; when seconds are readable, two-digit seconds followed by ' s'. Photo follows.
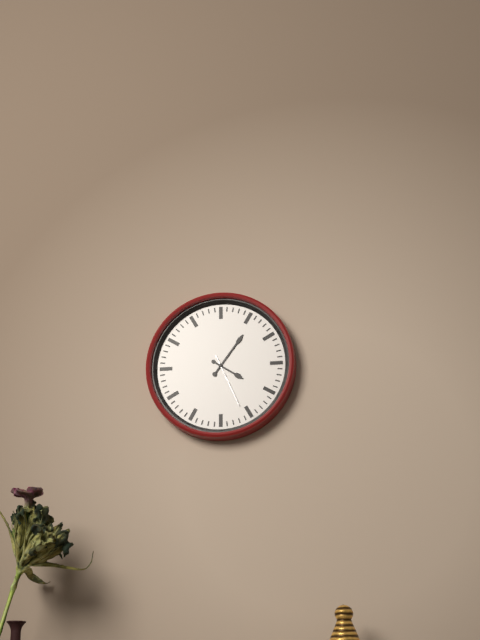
4 h 06 min 26 s
